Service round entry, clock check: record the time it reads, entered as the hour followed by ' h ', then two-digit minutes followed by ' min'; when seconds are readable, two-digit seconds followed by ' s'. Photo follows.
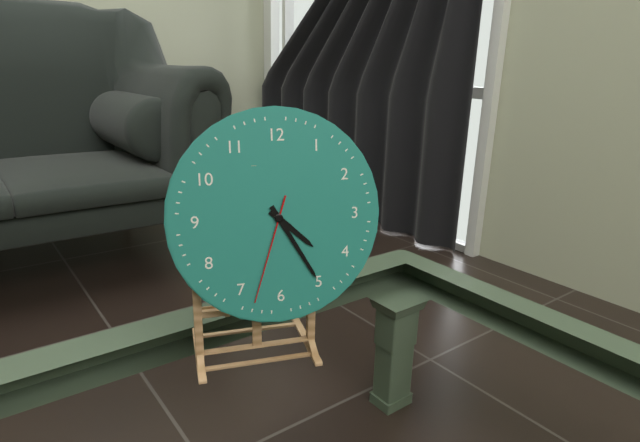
4 h 25 min 33 s
